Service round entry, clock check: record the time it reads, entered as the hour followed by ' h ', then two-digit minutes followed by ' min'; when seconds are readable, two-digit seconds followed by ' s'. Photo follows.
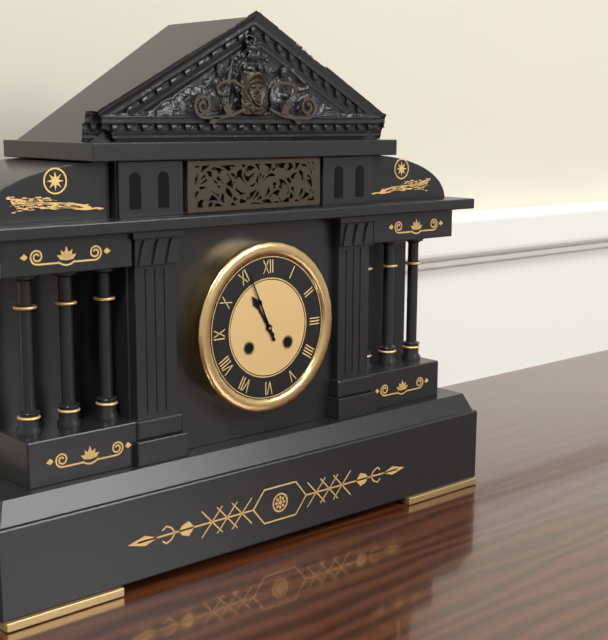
10 h 56 min
